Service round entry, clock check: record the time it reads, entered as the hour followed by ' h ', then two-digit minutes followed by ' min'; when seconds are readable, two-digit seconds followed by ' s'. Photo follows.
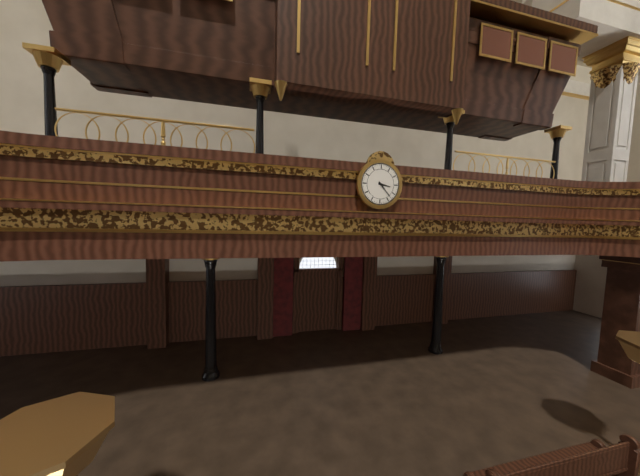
3 h 23 min
